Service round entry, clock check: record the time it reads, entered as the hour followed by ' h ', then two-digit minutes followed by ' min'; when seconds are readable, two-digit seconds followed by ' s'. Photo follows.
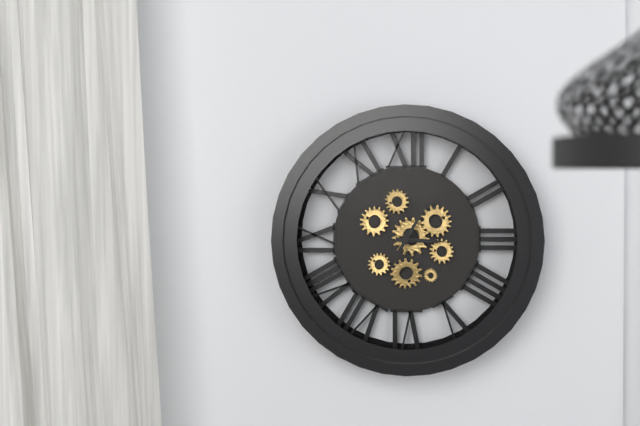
3 h 05 min
